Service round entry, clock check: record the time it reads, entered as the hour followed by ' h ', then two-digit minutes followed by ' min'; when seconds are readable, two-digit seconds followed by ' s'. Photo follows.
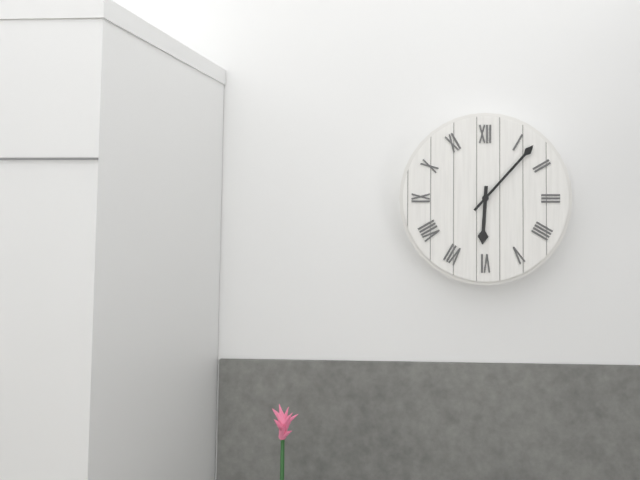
6 h 07 min
